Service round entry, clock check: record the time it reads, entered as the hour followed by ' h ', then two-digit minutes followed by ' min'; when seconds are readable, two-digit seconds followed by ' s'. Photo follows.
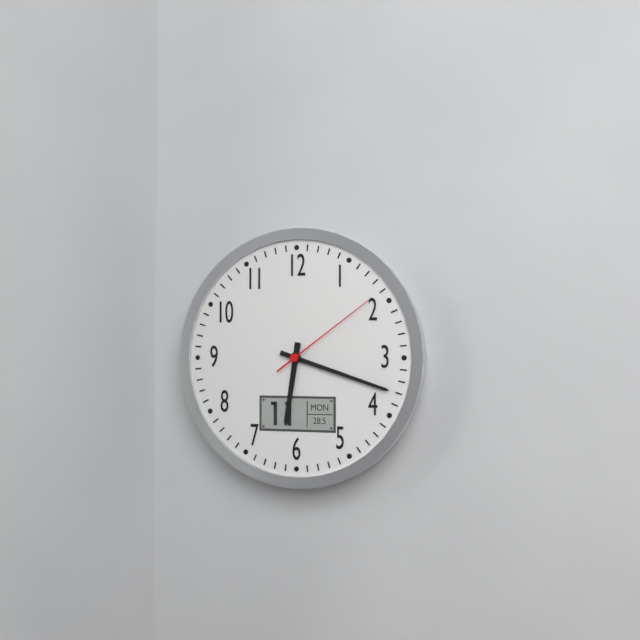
6 h 18 min 09 s
